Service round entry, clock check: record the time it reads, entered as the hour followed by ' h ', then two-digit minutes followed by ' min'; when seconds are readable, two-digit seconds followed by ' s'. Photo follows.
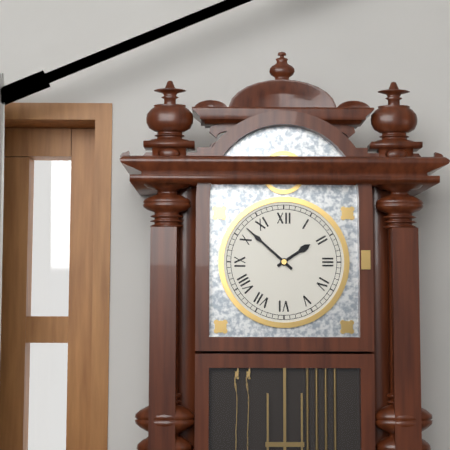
1 h 52 min
